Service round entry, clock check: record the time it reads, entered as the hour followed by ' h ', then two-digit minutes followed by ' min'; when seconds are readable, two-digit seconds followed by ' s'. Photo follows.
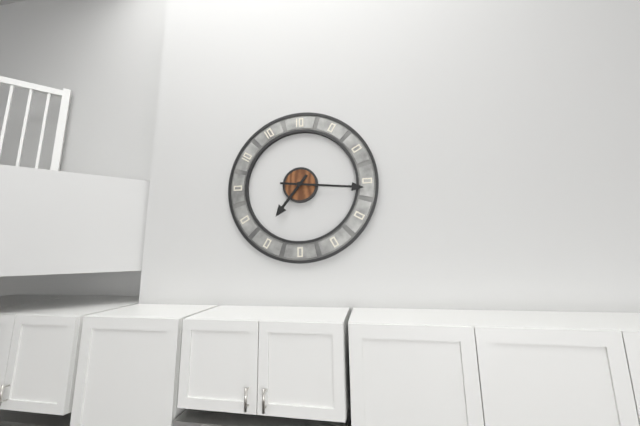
7 h 16 min
